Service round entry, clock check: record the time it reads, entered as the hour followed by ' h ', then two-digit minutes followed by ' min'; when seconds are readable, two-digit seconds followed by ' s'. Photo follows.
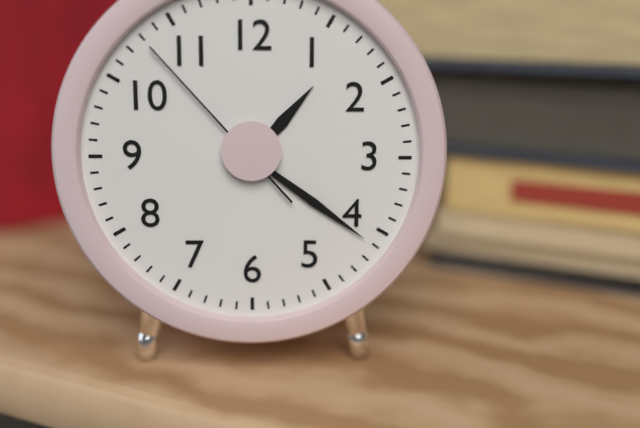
1 h 21 min 53 s
